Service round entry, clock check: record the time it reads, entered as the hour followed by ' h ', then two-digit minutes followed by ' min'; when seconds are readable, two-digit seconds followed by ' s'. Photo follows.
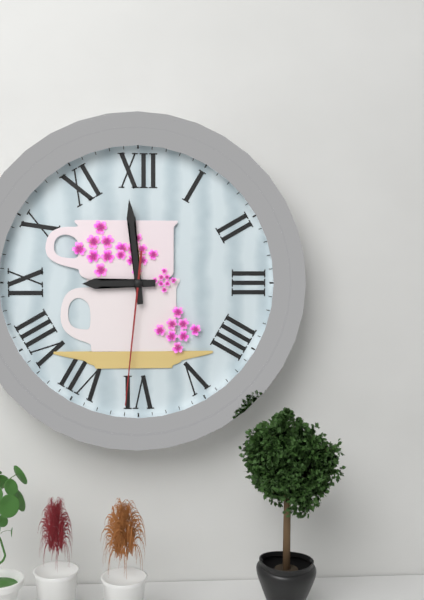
8 h 59 min 31 s
